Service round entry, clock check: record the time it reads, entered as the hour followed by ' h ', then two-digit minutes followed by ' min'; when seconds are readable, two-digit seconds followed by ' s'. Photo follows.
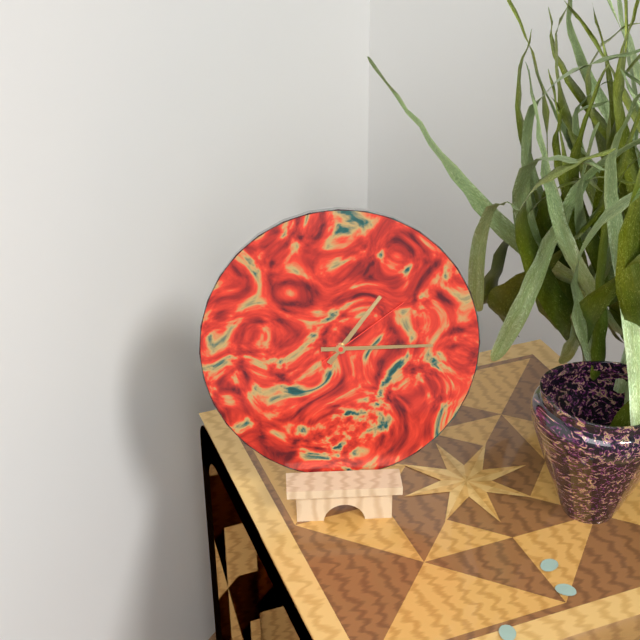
1 h 15 min 09 s
